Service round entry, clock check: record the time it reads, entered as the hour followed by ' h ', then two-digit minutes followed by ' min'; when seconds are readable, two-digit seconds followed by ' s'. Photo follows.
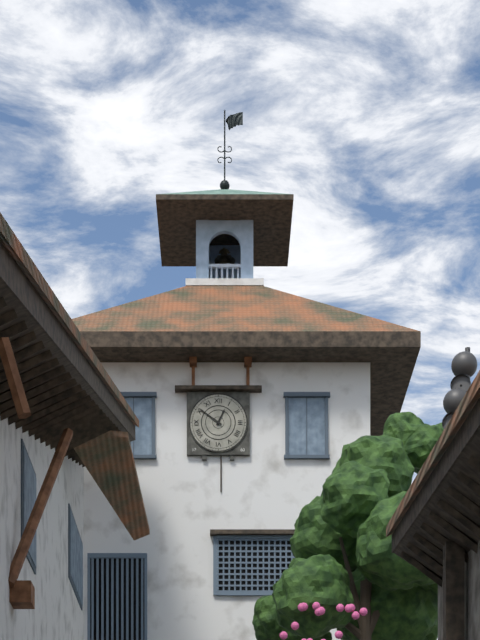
12 h 51 min
